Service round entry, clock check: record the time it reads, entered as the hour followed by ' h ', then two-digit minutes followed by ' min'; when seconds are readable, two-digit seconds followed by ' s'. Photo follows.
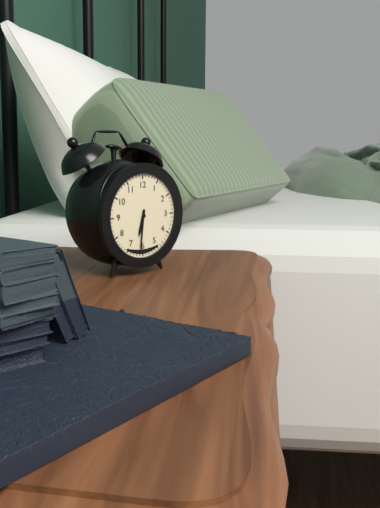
6 h 31 min
